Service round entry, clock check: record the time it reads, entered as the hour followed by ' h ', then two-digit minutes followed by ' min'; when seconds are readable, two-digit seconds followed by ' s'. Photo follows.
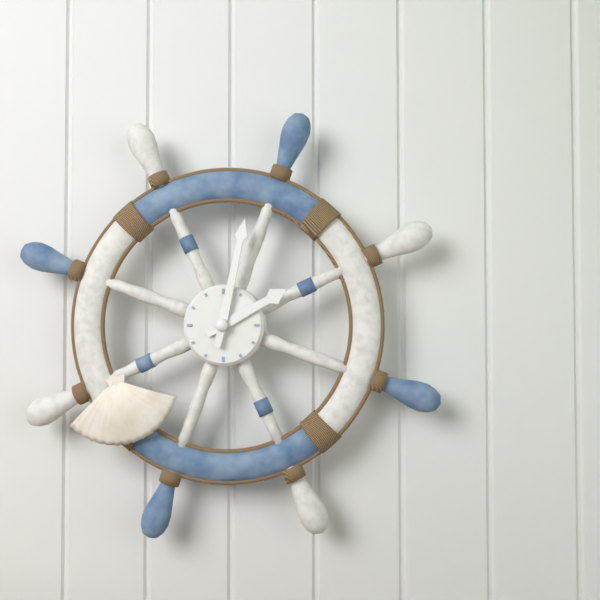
2 h 02 min
